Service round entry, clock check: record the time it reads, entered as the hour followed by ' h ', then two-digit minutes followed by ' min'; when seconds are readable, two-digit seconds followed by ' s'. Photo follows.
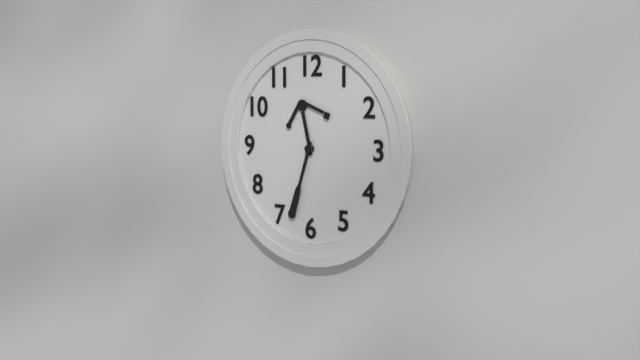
11 h 33 min
